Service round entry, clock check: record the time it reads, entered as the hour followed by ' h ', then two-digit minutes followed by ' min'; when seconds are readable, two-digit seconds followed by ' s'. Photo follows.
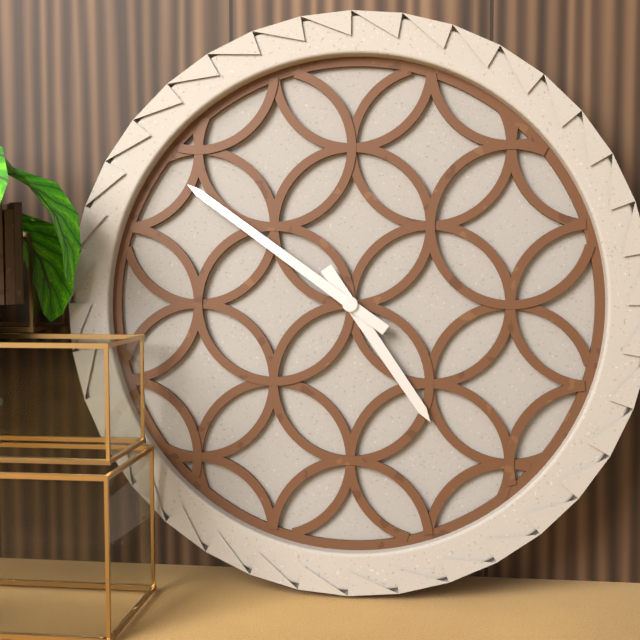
4 h 51 min
